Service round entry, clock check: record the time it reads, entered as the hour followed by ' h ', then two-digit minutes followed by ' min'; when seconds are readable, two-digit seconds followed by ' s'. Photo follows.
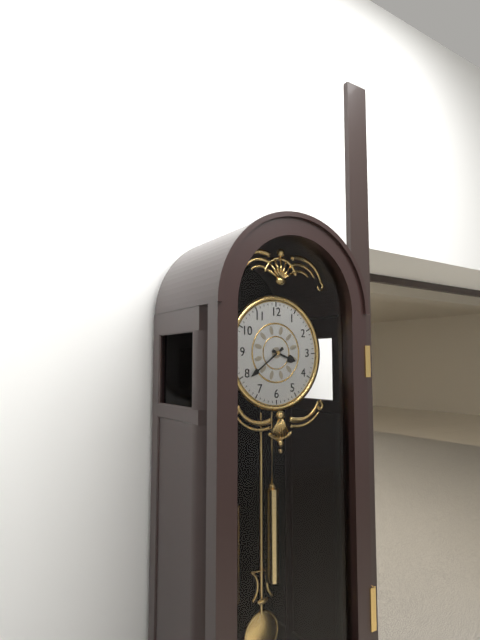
3 h 39 min
